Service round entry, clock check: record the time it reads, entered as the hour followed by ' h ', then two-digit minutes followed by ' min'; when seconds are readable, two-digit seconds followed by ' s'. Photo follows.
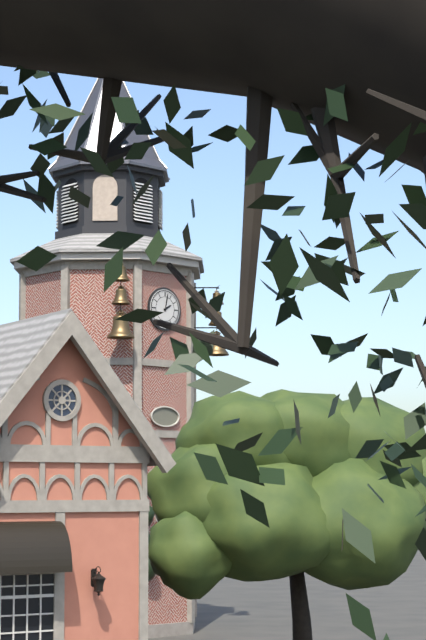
2 h 02 min
